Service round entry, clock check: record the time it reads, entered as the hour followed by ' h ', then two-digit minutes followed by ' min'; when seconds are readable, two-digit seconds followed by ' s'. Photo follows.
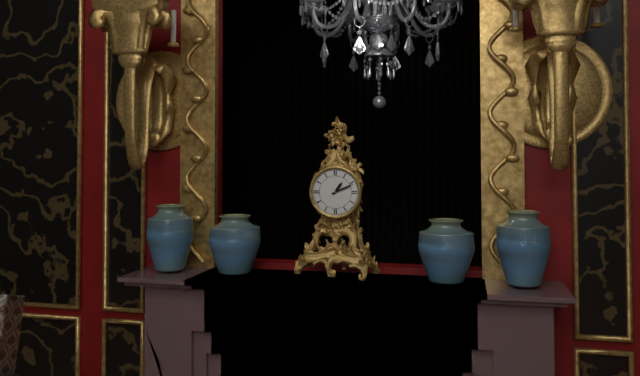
1 h 11 min
